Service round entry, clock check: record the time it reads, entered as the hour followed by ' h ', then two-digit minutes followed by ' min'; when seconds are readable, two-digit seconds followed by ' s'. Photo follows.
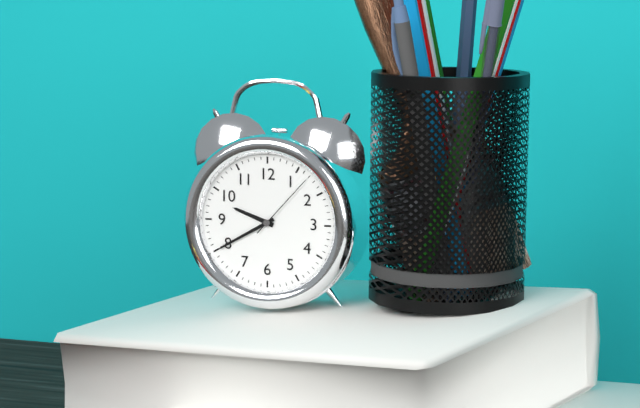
9 h 40 min 07 s
